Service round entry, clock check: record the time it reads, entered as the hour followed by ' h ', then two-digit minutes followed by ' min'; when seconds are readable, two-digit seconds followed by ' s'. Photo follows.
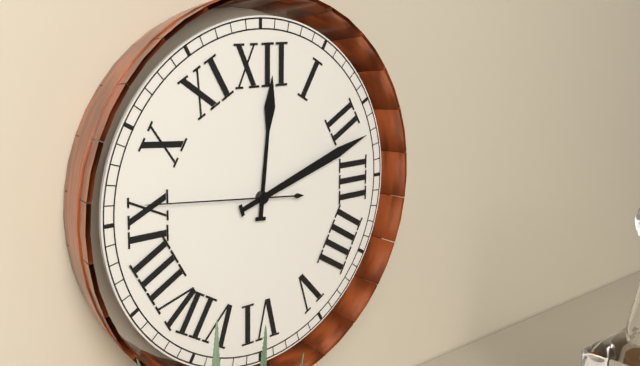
12 h 12 min 46 s
